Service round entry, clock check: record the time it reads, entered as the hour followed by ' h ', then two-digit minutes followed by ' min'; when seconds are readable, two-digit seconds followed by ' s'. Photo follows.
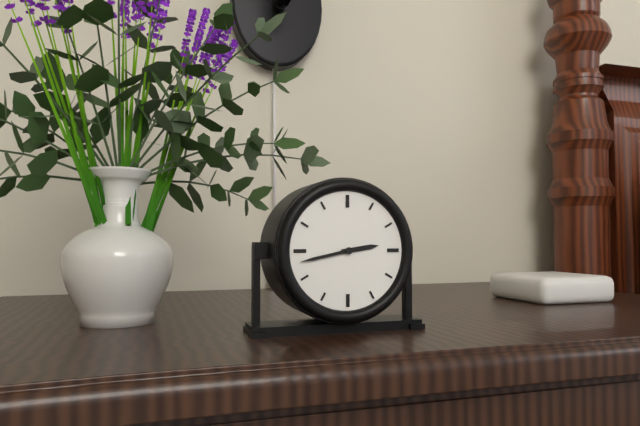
2 h 43 min
